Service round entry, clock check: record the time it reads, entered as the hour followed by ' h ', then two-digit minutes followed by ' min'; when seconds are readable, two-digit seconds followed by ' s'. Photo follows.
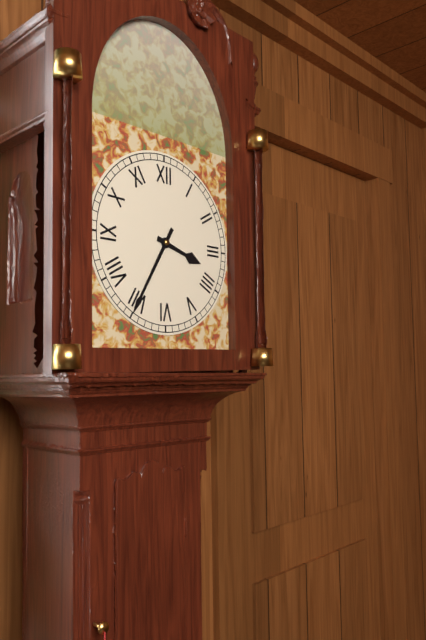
3 h 35 min
